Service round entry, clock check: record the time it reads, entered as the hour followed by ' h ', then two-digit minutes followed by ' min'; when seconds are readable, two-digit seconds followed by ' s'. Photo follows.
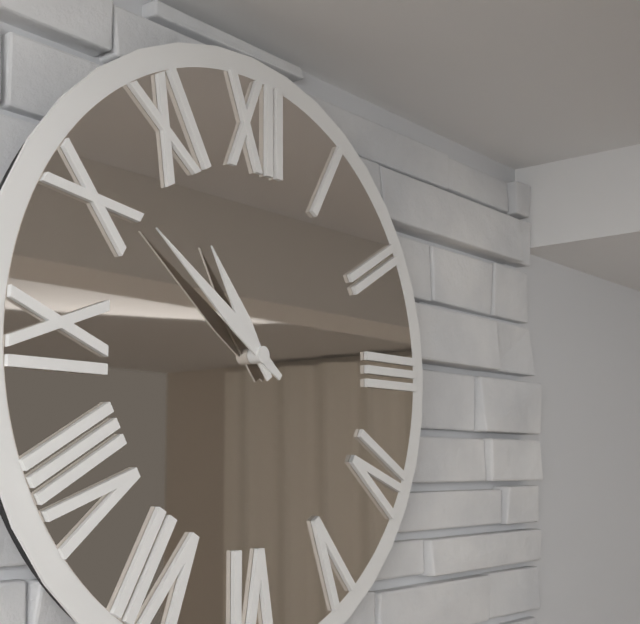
10 h 51 min
